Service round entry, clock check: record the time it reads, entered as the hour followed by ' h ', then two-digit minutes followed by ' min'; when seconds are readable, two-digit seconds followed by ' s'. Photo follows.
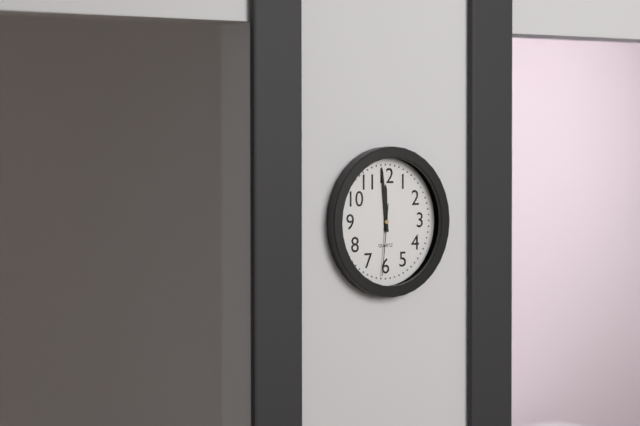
11 h 59 min 31 s
